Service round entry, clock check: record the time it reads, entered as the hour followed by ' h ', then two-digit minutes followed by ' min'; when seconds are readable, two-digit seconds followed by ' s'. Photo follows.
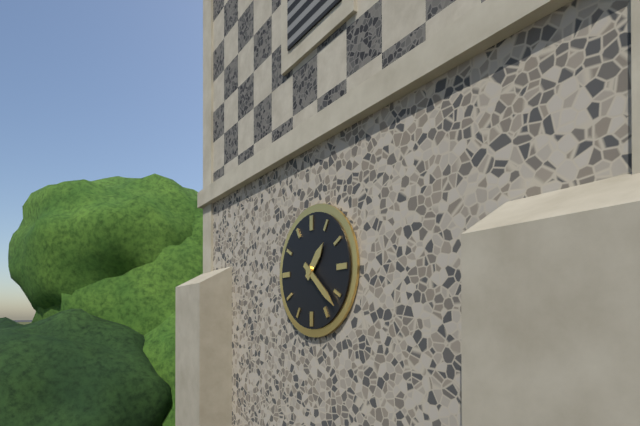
1 h 22 min
